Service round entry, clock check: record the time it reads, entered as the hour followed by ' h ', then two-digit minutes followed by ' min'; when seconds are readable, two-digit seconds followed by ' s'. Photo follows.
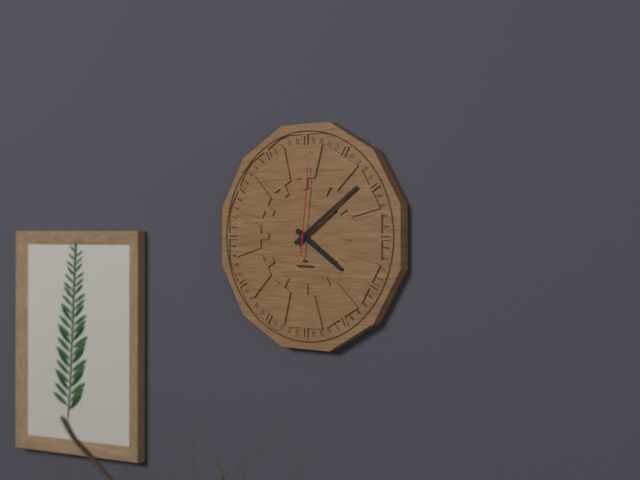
4 h 09 min 01 s
